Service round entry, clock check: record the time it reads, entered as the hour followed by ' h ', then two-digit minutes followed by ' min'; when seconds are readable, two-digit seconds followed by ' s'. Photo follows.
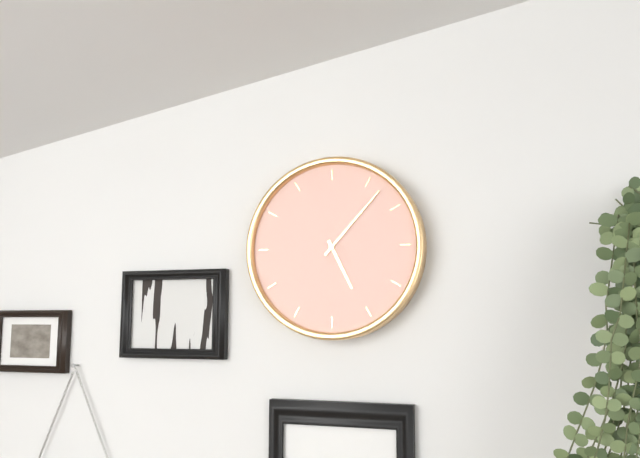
5 h 07 min
